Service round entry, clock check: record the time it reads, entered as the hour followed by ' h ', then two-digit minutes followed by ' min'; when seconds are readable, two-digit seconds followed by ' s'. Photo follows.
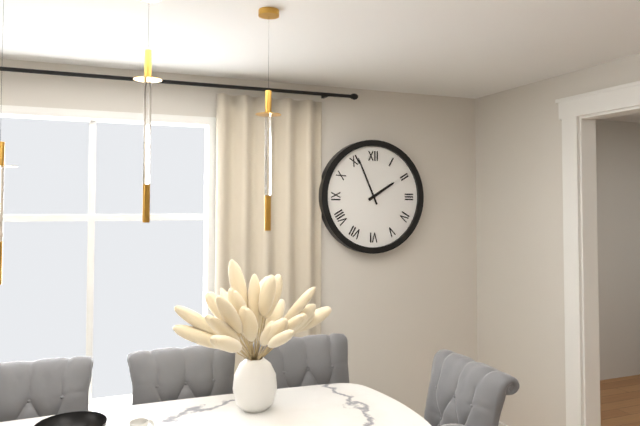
1 h 56 min
